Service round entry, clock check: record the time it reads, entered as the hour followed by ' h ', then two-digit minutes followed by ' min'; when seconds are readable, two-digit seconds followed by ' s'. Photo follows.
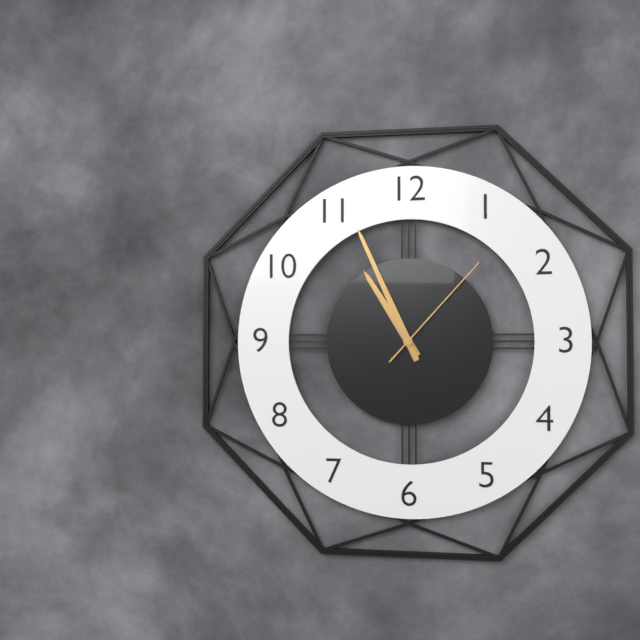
10 h 56 min 07 s
